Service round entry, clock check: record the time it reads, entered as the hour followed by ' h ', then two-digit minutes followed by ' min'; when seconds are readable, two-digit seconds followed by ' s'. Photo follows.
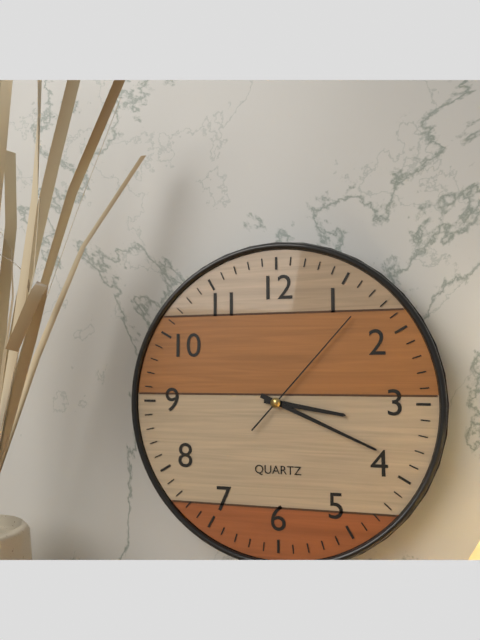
3 h 19 min 07 s
